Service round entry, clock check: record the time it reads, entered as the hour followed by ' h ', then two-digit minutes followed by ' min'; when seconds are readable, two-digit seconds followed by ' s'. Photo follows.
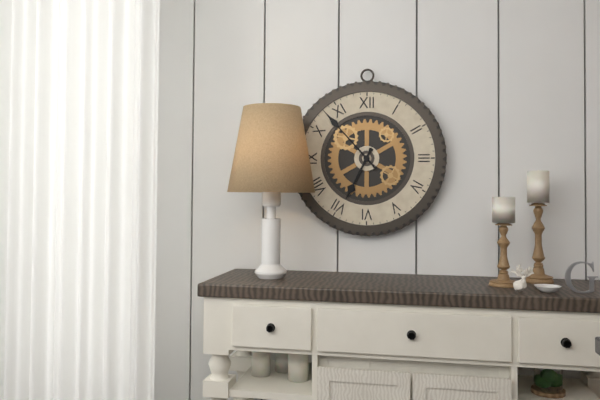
6 h 53 min
